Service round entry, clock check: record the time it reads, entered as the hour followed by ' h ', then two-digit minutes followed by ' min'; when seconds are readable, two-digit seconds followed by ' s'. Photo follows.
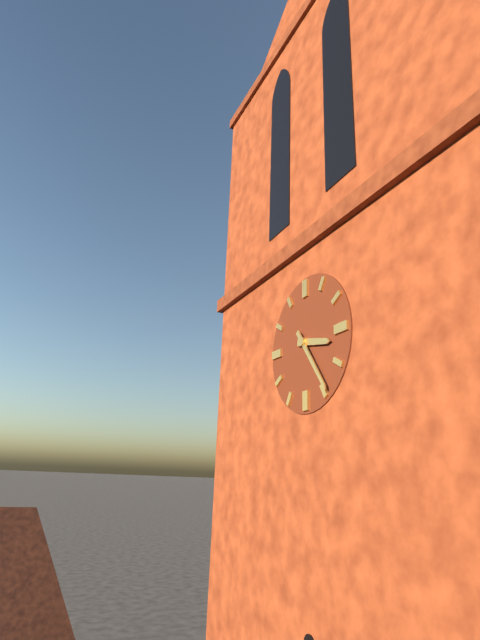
3 h 24 min
